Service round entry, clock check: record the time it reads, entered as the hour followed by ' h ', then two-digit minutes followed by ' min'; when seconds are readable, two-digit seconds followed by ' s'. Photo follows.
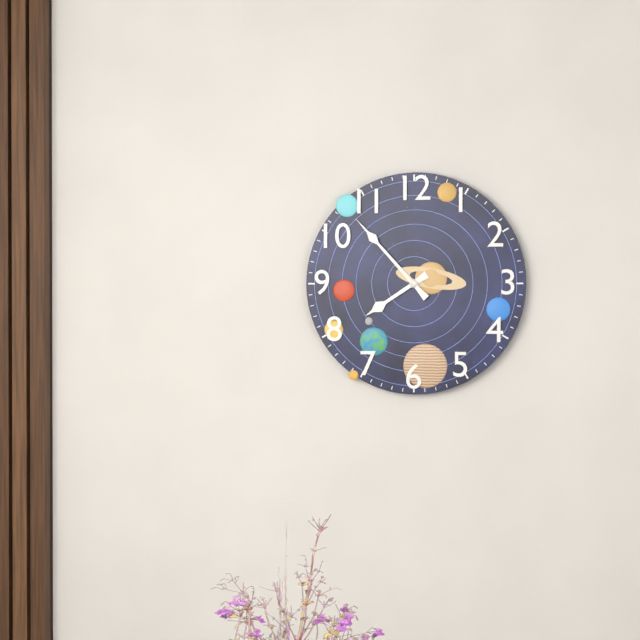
7 h 53 min
